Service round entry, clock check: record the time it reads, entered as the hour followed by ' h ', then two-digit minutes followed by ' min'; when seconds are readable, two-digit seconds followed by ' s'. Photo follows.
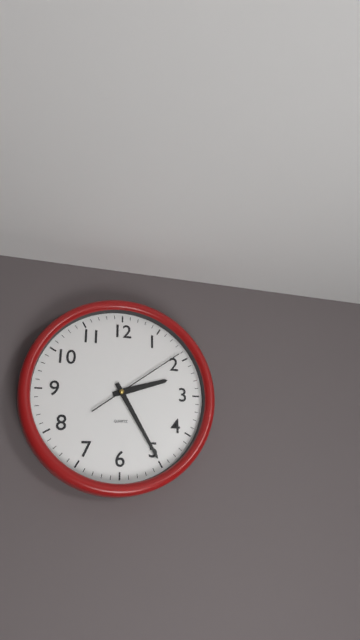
2 h 25 min 09 s
